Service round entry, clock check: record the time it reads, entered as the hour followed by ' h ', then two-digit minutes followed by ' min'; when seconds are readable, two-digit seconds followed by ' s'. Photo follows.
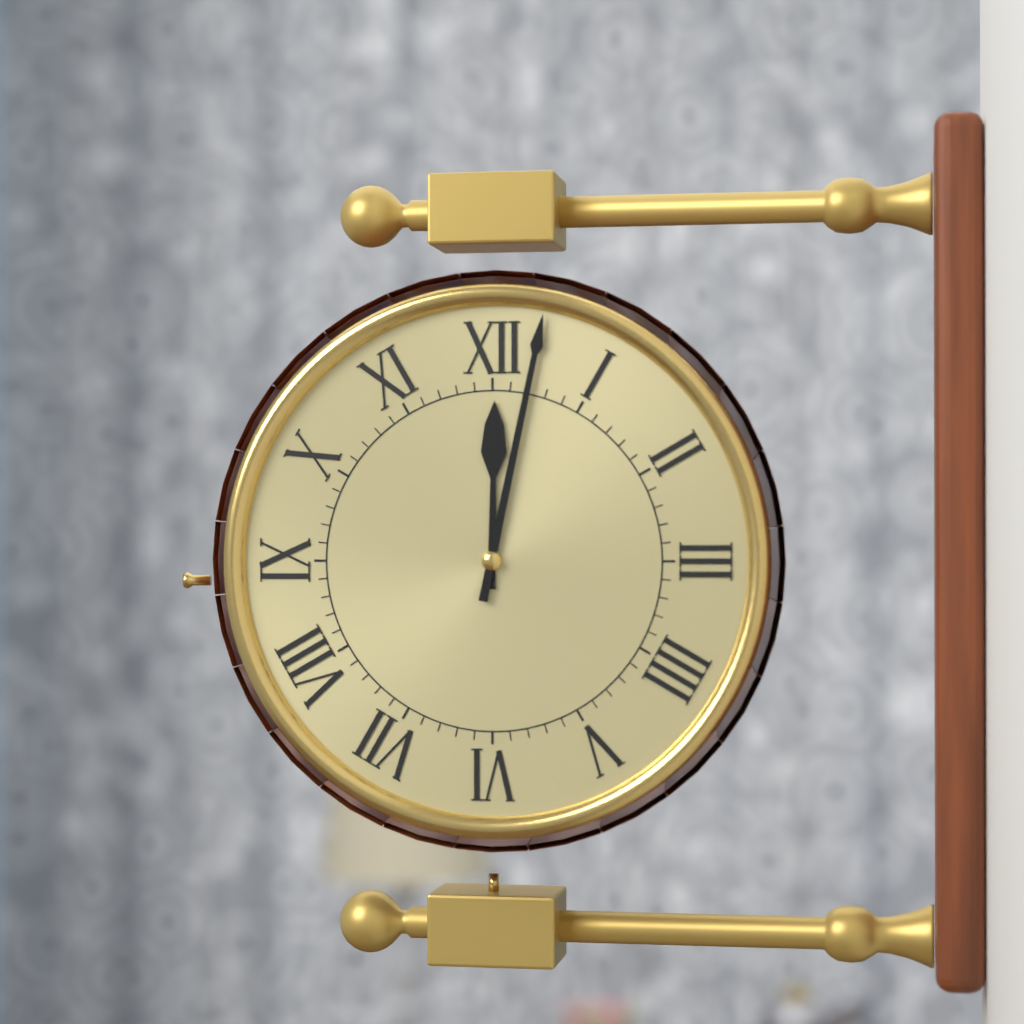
12 h 02 min
